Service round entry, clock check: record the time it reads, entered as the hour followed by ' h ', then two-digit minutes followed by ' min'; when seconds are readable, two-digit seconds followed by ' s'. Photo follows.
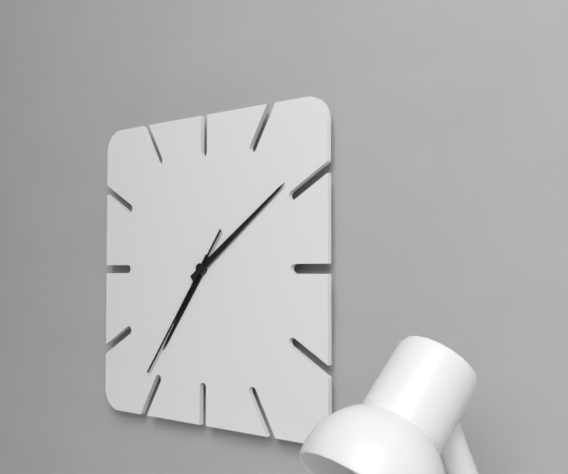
7 h 09 min 36 s
